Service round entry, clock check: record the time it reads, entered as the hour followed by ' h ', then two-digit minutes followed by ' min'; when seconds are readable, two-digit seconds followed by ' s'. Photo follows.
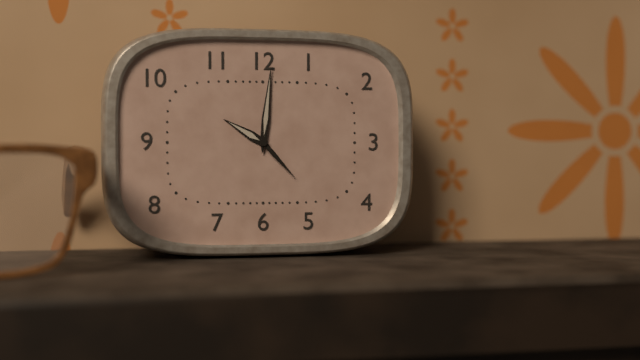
10 h 01 min 23 s
